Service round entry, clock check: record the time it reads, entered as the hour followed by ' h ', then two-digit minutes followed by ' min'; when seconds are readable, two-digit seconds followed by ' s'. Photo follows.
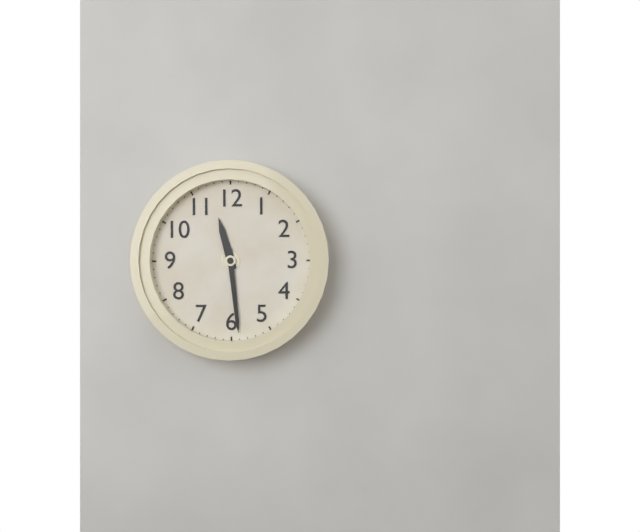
11 h 29 min
